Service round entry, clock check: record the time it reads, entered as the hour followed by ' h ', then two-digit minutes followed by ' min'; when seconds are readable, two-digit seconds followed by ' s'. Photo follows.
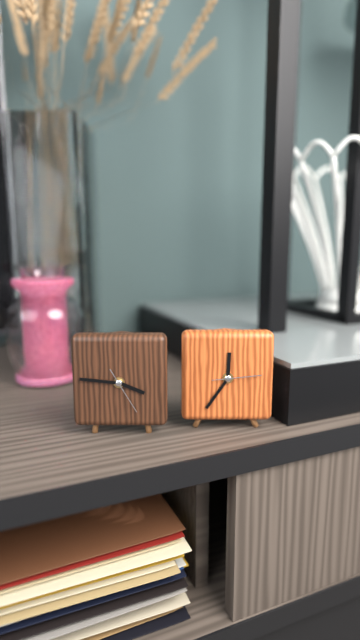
3 h 46 min
